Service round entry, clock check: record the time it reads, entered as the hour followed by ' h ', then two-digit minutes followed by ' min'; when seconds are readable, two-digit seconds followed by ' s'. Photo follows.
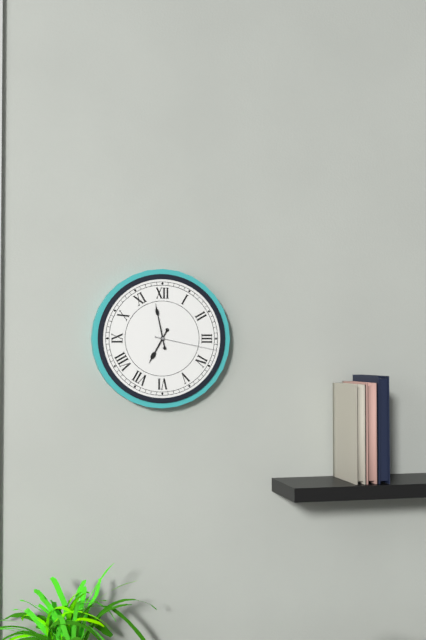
6 h 58 min 17 s
